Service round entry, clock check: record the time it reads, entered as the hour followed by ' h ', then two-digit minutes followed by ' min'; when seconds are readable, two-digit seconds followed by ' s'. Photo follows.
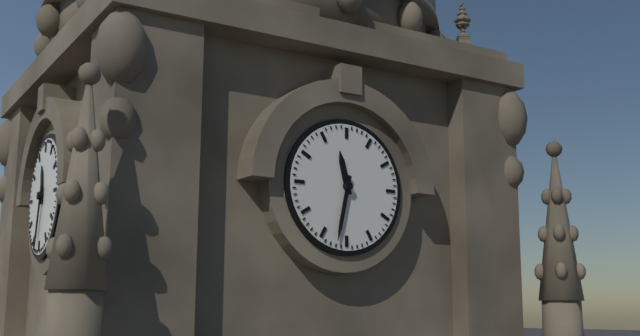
11 h 32 min
